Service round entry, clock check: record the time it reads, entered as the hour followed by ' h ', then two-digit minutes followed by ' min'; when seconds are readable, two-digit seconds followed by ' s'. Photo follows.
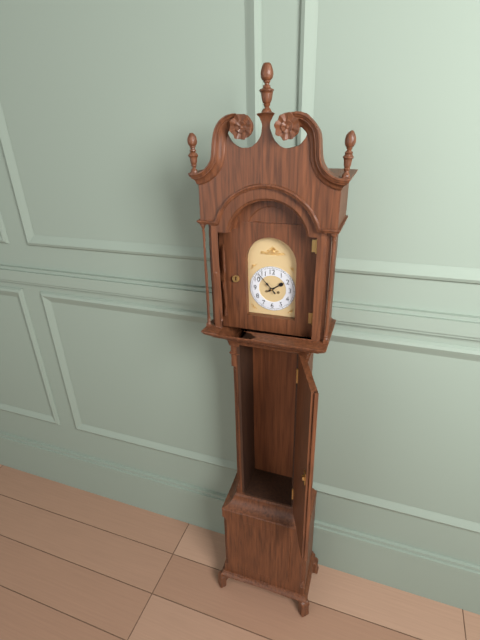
1 h 53 min
